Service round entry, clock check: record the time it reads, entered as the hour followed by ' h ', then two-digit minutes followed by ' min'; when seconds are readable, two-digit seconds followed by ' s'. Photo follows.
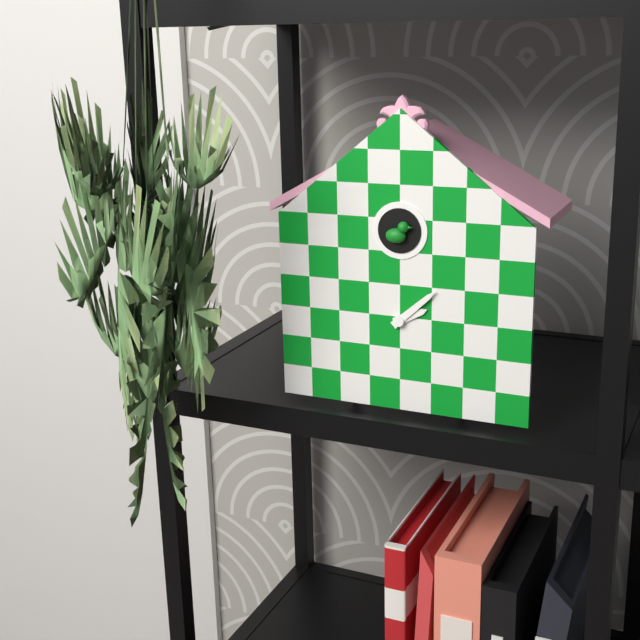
2 h 08 min
